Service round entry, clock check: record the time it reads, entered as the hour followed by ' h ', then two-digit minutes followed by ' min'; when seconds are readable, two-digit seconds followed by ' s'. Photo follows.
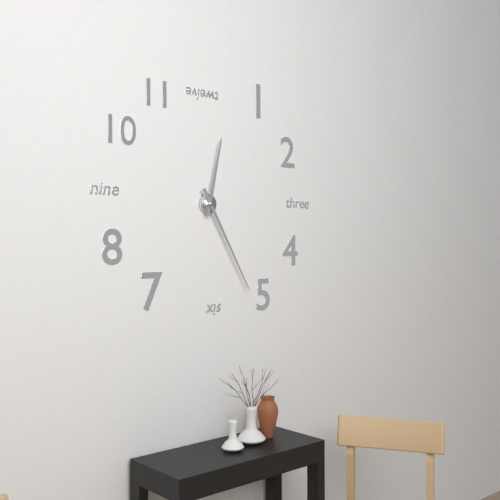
12 h 25 min
